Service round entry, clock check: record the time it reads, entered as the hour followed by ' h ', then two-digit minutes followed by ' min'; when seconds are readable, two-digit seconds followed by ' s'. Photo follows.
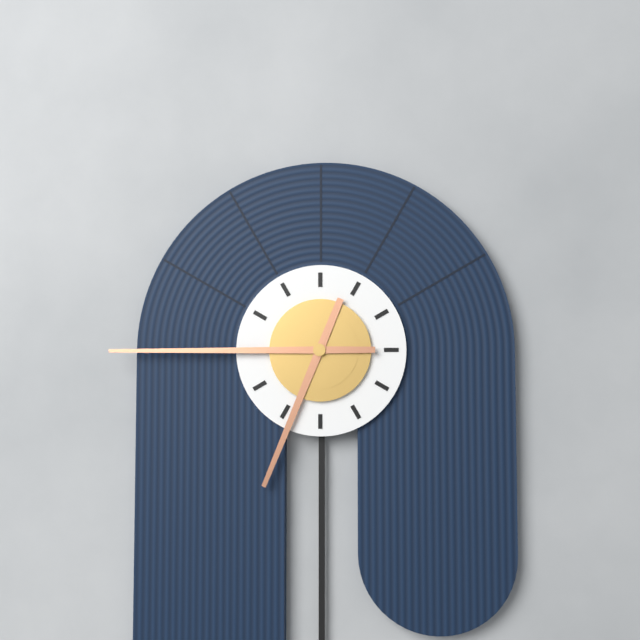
6 h 45 min
